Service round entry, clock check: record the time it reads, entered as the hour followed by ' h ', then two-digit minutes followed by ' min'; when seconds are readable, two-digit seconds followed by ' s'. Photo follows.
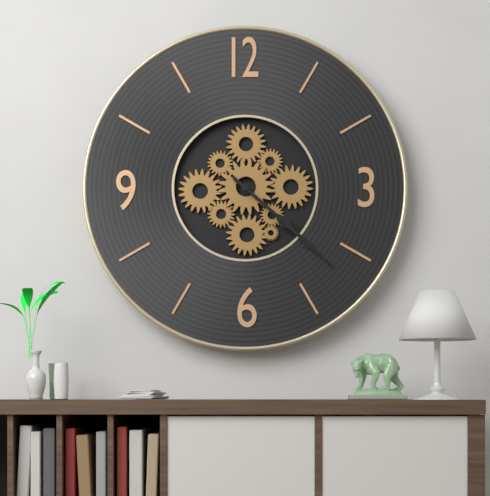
4 h 22 min
